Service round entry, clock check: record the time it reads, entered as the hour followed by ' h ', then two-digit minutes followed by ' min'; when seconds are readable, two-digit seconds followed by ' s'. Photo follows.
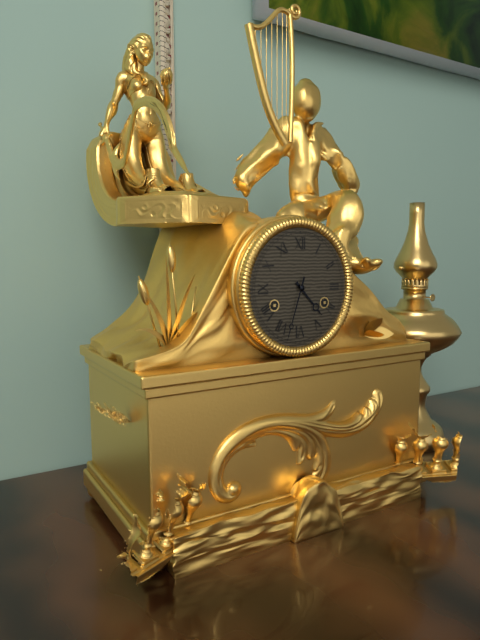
4 h 33 min
